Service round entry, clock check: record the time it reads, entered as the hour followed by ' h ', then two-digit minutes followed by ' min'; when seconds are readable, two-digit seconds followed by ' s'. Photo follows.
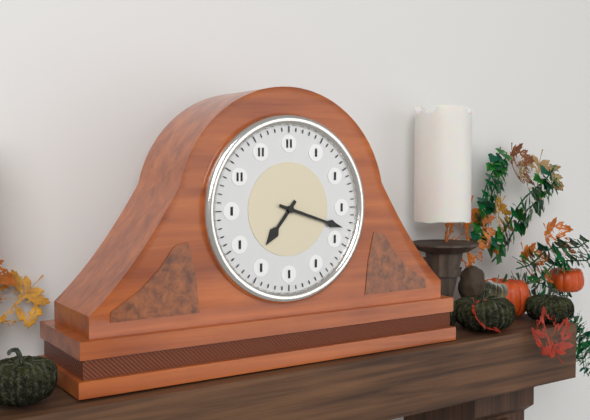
7 h 18 min
